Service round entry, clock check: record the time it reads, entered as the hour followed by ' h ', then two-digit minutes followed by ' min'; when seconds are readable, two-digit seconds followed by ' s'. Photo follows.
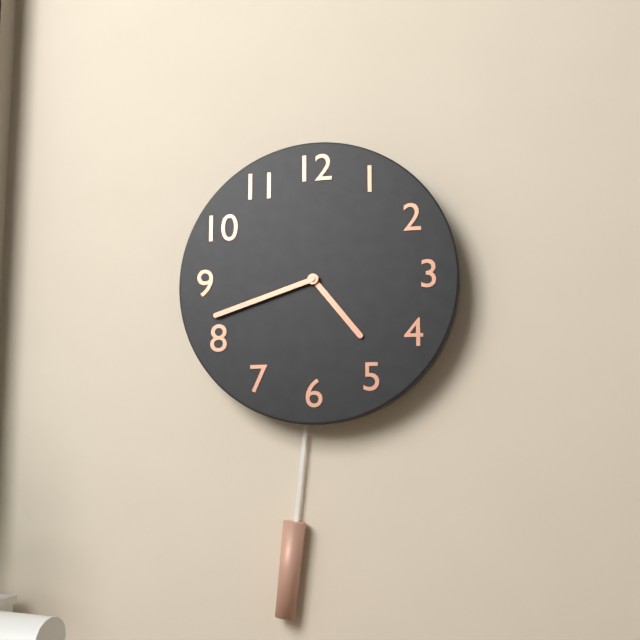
4 h 42 min
